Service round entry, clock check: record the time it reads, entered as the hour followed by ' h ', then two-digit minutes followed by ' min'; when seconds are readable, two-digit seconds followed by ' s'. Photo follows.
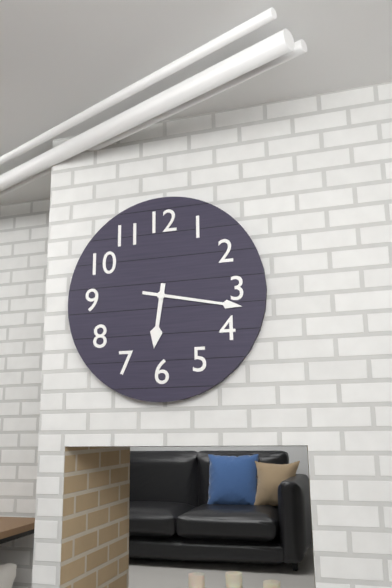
6 h 17 min
